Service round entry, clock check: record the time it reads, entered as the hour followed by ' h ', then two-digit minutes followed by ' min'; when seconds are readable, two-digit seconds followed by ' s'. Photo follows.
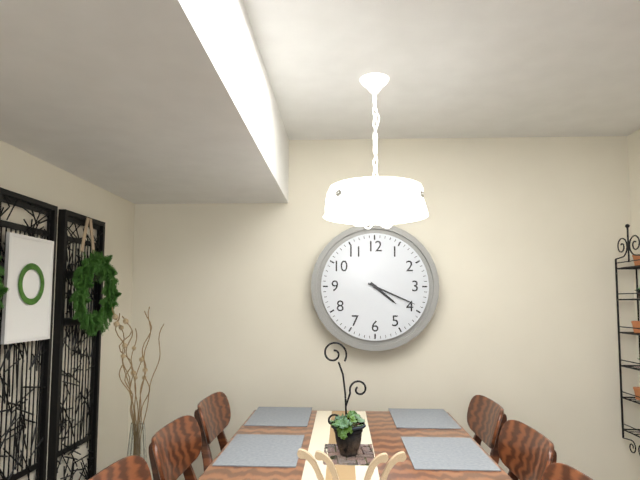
4 h 19 min
